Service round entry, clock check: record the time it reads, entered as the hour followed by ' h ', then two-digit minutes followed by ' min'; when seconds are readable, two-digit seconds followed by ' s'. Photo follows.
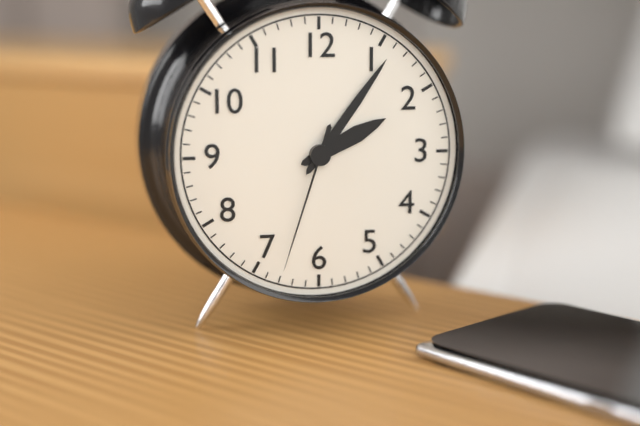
2 h 06 min 33 s
